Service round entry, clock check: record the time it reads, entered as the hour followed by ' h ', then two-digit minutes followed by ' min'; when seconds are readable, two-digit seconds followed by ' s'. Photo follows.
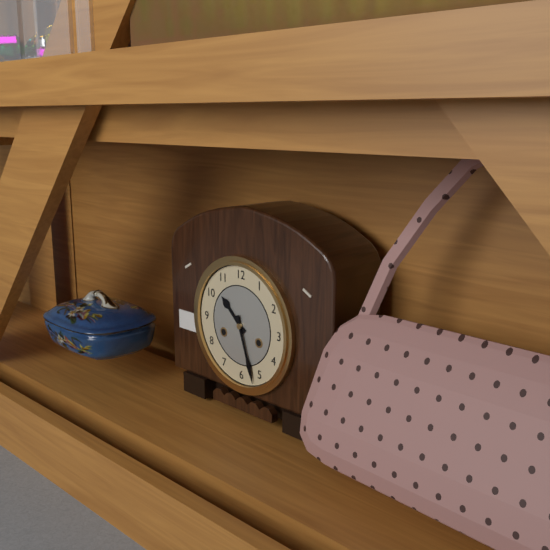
10 h 27 min
